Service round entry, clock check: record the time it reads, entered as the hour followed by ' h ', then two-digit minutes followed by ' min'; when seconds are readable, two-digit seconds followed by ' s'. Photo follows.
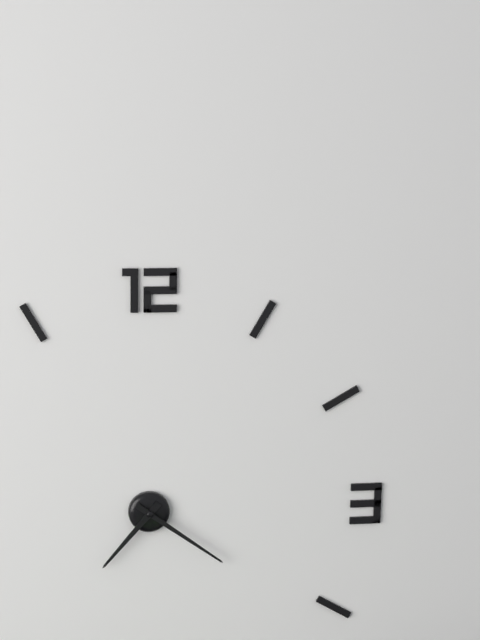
7 h 21 min
